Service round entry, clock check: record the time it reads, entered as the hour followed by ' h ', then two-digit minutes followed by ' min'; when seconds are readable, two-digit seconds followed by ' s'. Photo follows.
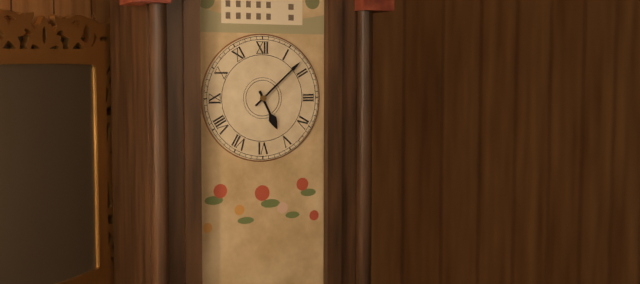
5 h 08 min
